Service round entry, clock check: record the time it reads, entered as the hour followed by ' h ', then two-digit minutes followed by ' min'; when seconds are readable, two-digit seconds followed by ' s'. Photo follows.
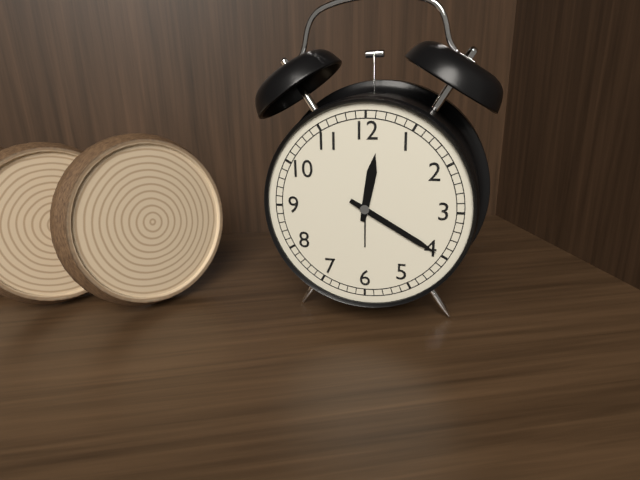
12 h 20 min
